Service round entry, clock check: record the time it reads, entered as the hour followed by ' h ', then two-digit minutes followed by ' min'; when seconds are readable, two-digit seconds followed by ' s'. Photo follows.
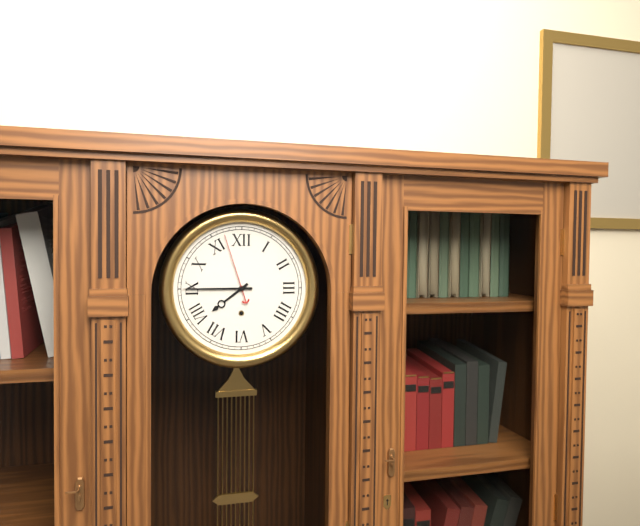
7 h 45 min 57 s
